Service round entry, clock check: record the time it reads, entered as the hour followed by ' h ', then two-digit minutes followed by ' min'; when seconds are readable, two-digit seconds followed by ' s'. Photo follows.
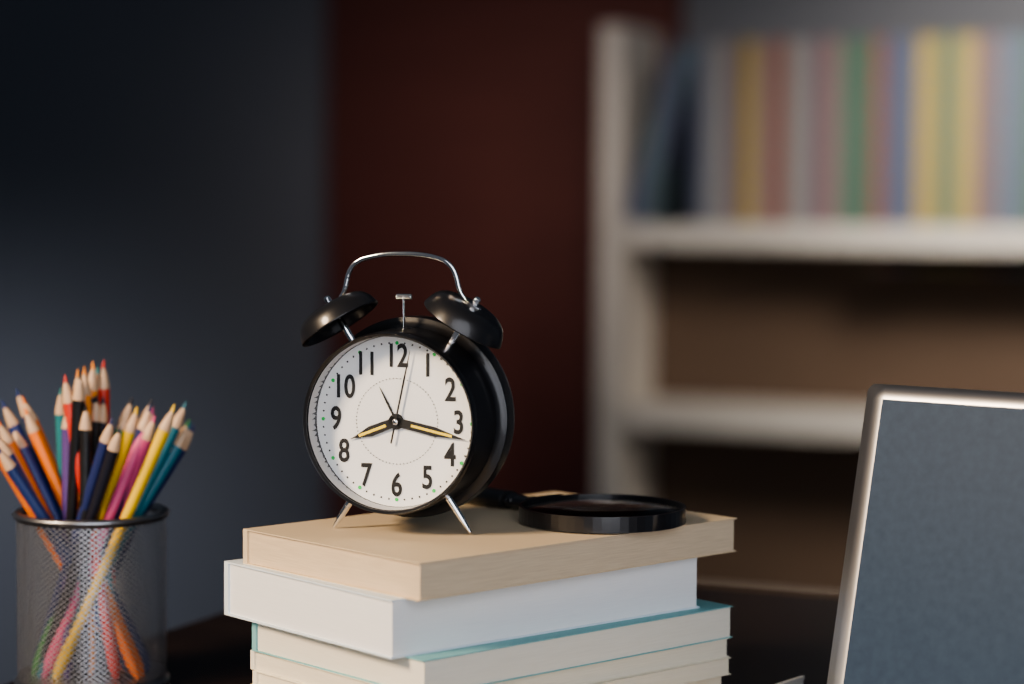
8 h 17 min 02 s
